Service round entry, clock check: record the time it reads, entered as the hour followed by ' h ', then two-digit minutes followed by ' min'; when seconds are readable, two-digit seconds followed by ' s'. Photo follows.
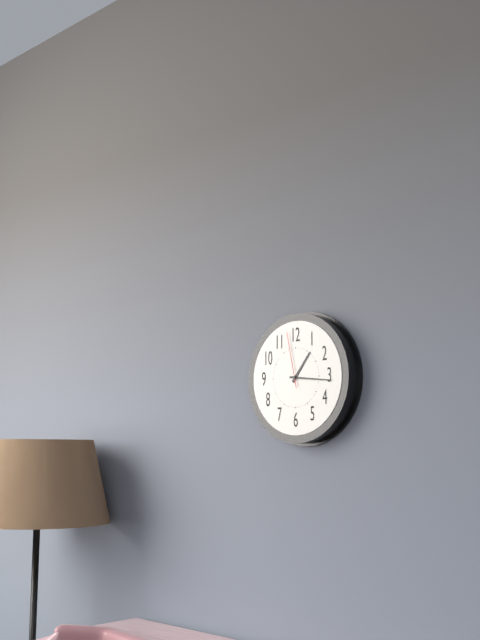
1 h 16 min 58 s
